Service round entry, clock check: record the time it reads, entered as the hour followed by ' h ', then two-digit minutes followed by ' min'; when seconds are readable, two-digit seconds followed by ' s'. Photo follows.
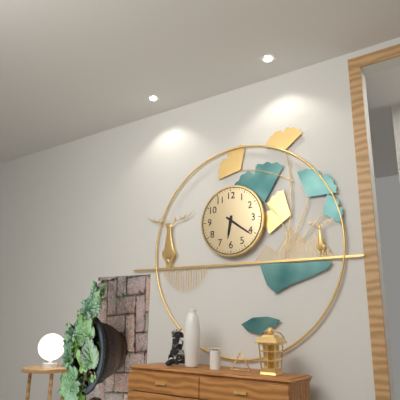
6 h 21 min
